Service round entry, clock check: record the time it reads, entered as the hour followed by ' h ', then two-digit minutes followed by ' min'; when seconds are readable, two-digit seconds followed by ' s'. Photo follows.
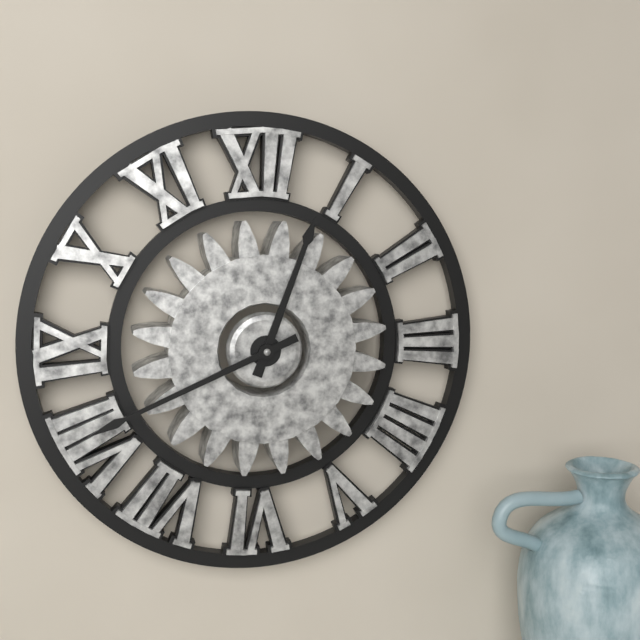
12 h 41 min
